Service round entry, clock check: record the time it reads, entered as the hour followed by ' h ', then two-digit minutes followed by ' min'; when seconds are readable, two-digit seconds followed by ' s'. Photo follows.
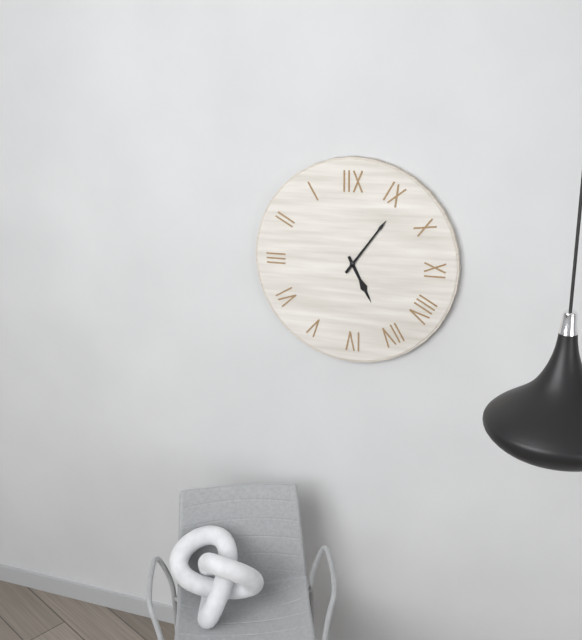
5 h 06 min
